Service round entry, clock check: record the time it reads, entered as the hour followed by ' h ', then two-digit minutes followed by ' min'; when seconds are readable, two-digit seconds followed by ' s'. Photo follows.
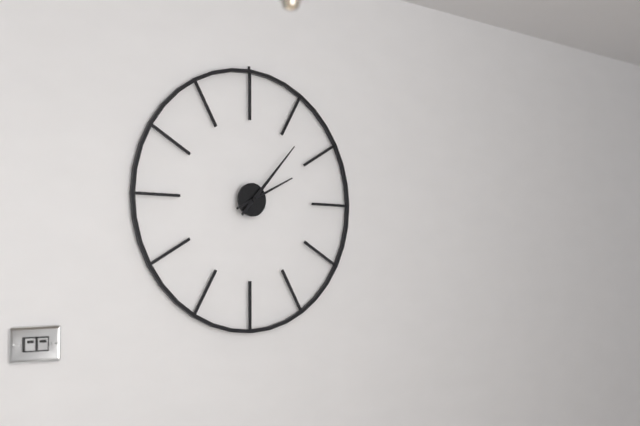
2 h 07 min
